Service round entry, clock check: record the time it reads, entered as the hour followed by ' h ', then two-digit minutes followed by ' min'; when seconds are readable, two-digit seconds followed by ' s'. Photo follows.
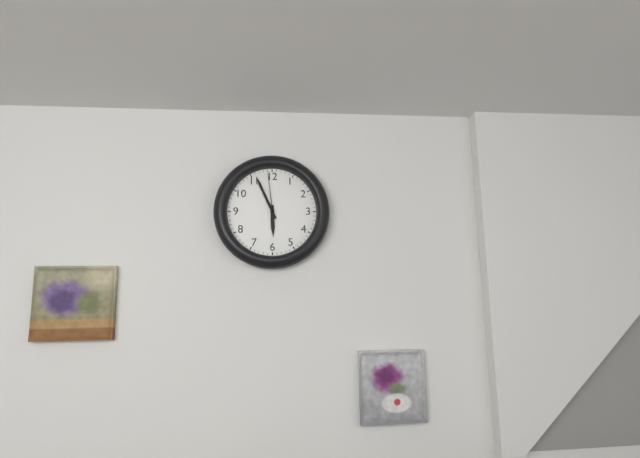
5 h 56 min 59 s
